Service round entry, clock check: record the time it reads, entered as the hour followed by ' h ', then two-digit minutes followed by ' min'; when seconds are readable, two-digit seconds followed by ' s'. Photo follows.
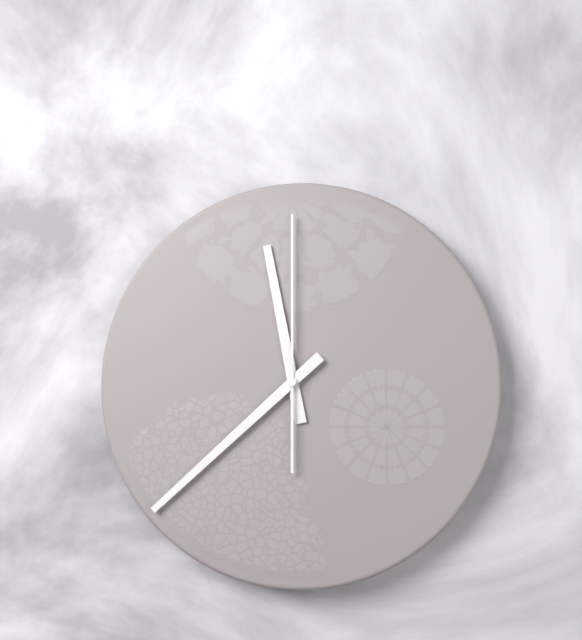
11 h 38 min 00 s
